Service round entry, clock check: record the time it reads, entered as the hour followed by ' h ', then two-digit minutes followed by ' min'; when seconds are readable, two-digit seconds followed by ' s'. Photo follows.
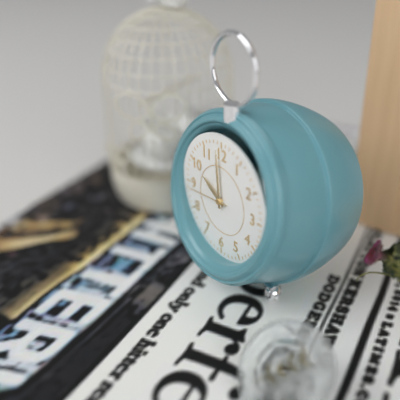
9 h 59 min
